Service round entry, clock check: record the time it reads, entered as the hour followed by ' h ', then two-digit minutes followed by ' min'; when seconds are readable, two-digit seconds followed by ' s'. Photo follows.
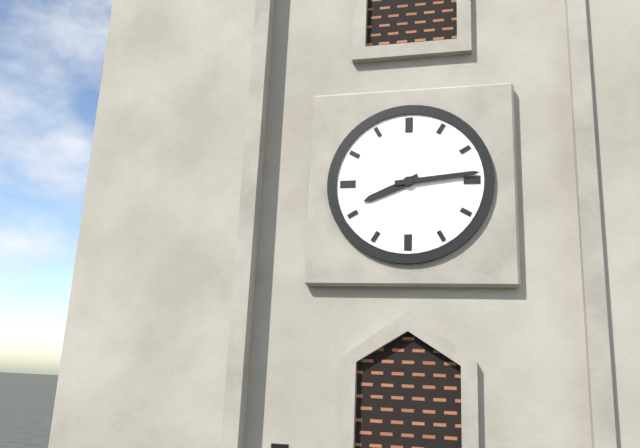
8 h 14 min
